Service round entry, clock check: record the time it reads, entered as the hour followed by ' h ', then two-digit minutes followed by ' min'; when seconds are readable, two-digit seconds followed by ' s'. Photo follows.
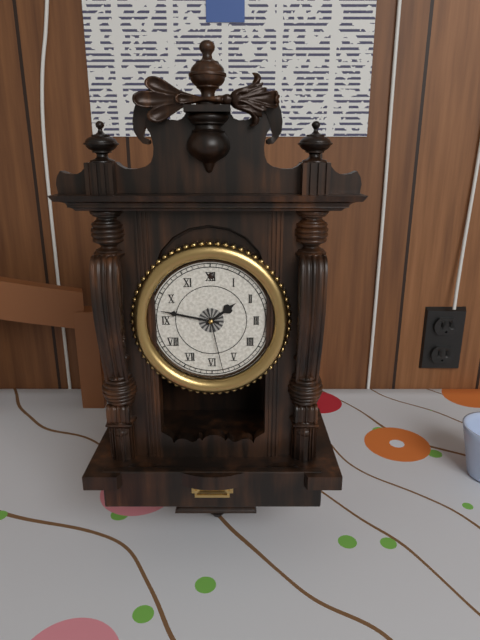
1 h 47 min 28 s
